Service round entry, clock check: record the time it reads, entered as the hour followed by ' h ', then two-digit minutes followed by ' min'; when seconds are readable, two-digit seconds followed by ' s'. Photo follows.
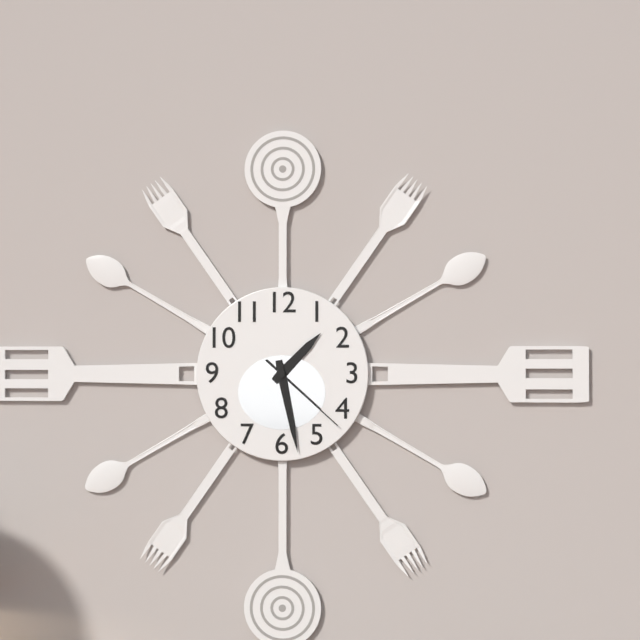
1 h 28 min 22 s
